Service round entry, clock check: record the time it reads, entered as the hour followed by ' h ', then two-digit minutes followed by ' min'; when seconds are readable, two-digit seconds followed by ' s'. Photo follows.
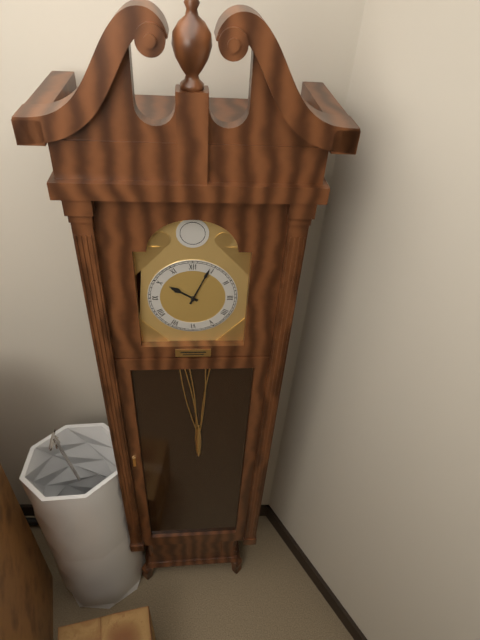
10 h 04 min
